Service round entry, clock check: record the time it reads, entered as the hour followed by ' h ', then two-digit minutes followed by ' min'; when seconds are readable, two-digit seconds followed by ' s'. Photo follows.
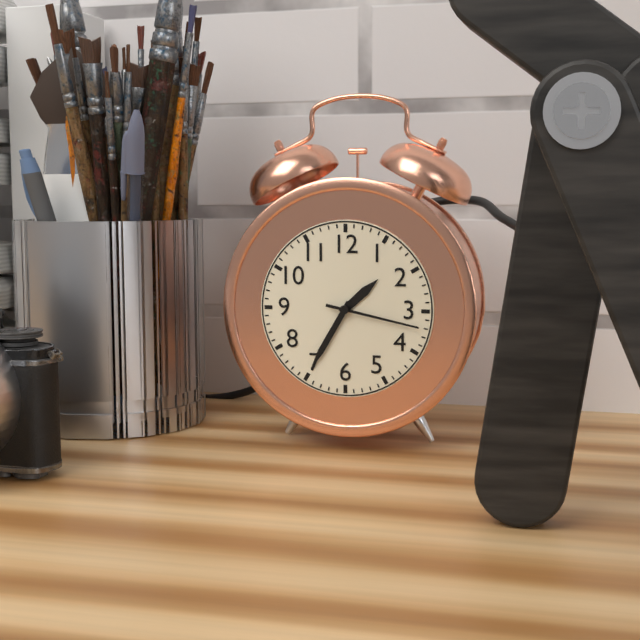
1 h 35 min 17 s
